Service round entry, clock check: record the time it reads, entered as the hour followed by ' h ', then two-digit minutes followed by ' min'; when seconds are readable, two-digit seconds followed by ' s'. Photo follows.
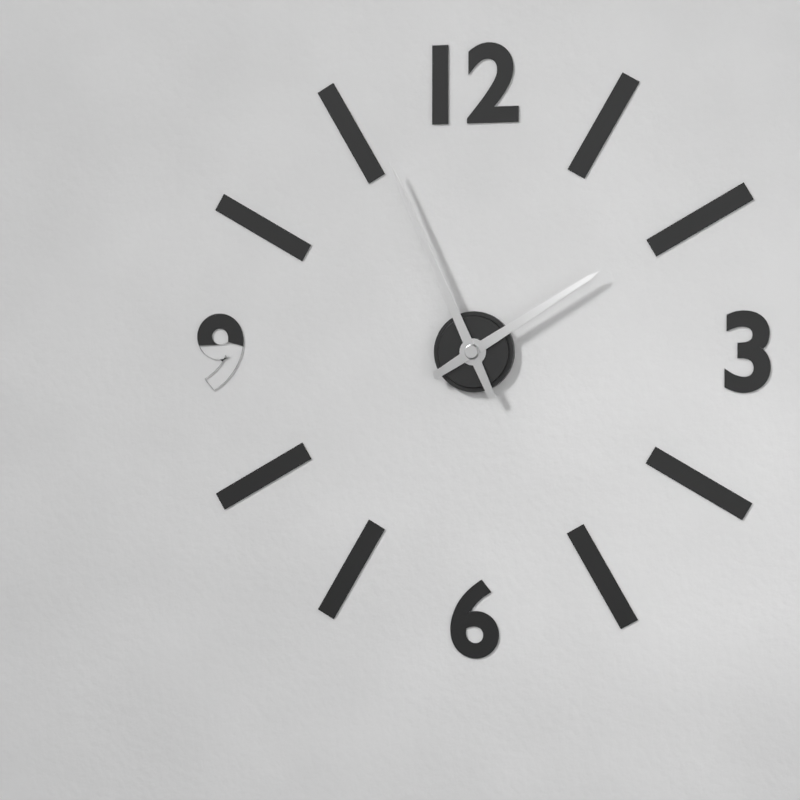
1 h 56 min
